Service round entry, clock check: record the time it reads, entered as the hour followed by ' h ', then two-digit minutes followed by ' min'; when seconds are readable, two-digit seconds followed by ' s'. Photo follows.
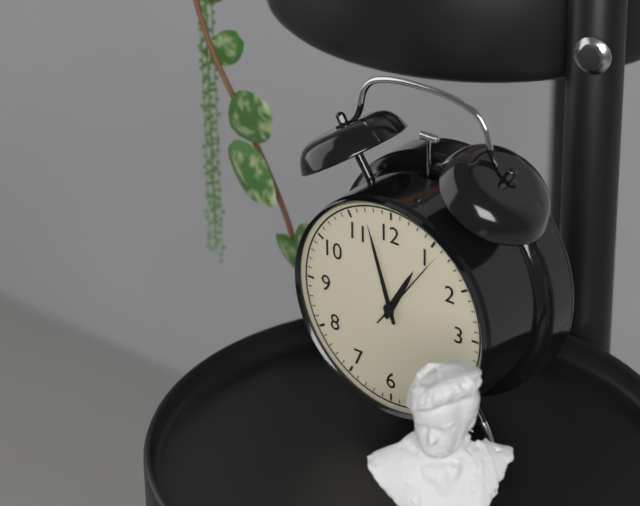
12 h 57 min 06 s
